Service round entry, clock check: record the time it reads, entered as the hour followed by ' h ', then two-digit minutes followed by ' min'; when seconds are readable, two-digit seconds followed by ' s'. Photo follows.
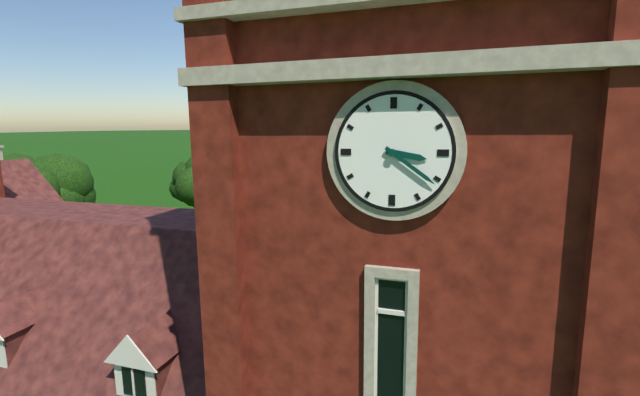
3 h 21 min
